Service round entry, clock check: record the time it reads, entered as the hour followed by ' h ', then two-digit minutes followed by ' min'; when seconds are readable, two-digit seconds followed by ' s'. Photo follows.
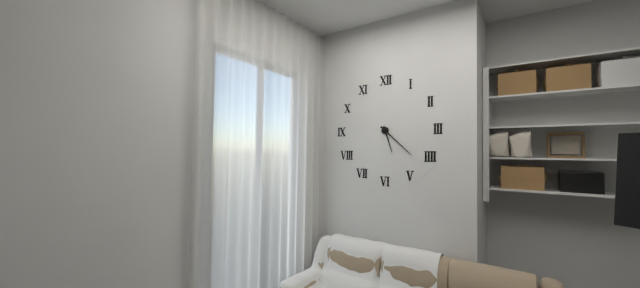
5 h 22 min
